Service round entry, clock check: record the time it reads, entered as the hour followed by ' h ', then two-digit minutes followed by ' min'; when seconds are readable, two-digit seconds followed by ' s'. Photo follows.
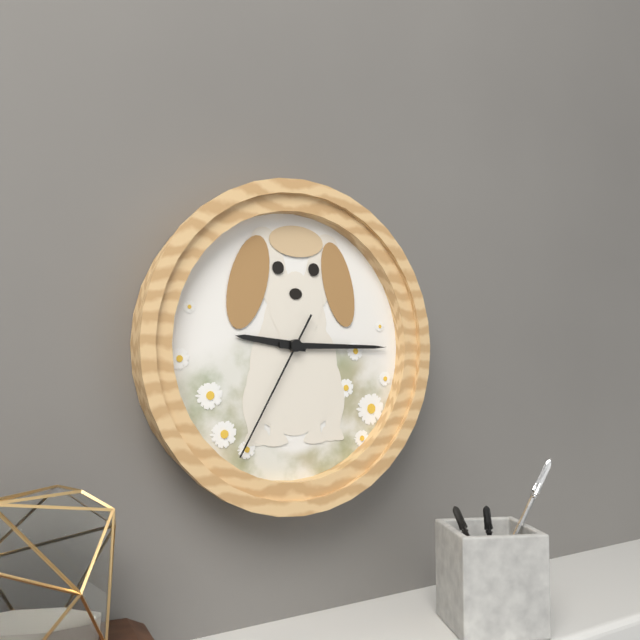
9 h 15 min 35 s
